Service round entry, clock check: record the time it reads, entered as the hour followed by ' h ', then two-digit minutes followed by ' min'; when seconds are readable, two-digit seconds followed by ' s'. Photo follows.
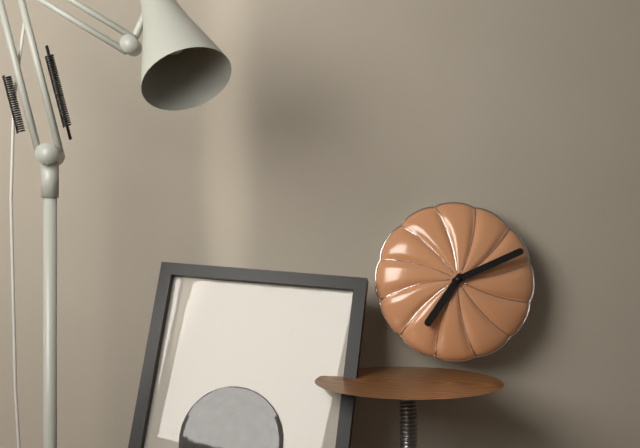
7 h 11 min
